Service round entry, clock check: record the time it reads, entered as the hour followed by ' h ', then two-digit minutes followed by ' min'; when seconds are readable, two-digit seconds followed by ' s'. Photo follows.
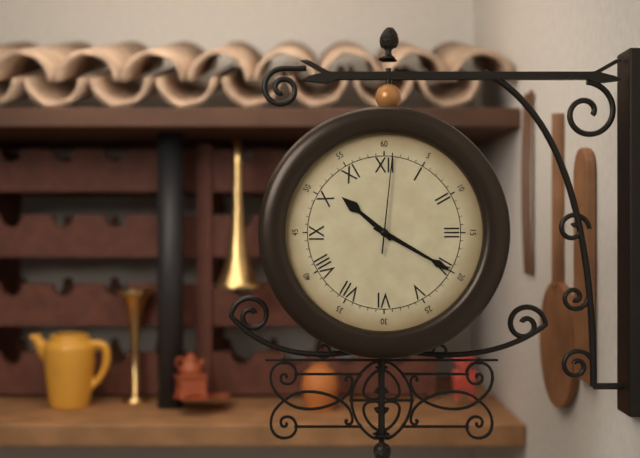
10 h 20 min 01 s
